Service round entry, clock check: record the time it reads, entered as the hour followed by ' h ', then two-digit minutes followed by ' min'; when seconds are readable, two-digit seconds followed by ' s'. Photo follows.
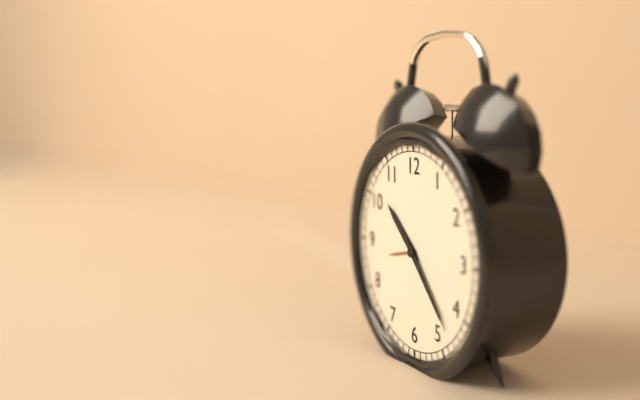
10 h 23 min
